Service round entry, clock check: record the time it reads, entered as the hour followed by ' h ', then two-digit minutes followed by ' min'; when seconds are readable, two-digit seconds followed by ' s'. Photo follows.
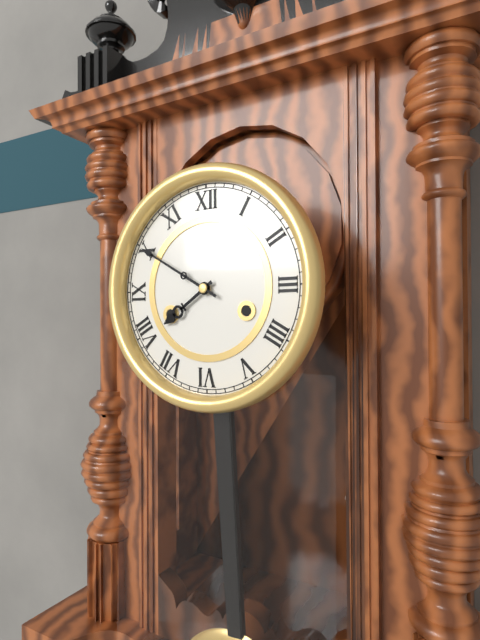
7 h 50 min
